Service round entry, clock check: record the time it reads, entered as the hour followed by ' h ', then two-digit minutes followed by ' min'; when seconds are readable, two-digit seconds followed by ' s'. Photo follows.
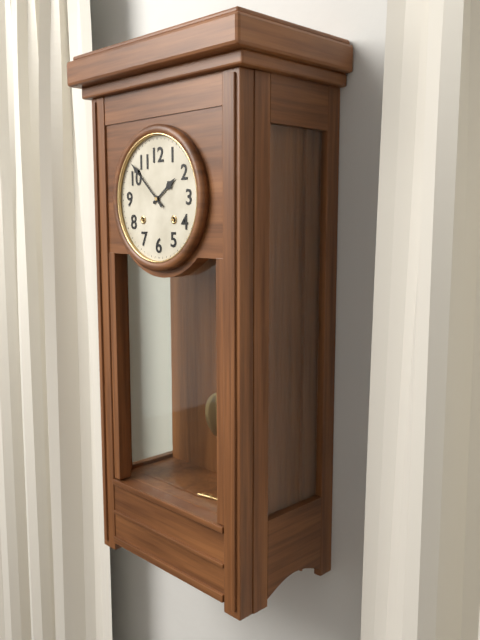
1 h 52 min
